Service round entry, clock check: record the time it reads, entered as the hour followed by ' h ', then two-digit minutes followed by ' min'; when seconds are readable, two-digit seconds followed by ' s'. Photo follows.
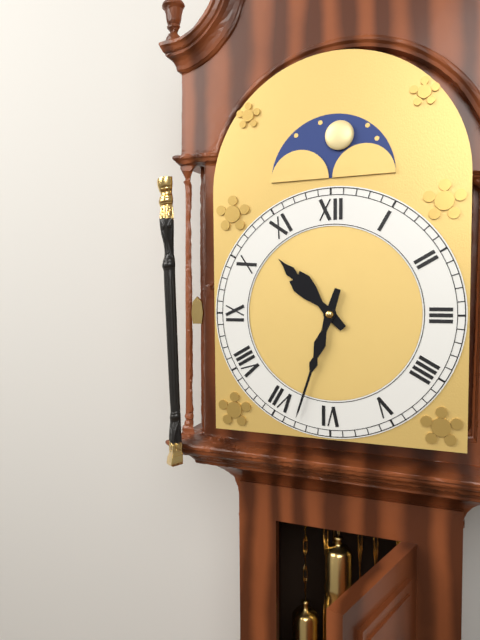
10 h 33 min
